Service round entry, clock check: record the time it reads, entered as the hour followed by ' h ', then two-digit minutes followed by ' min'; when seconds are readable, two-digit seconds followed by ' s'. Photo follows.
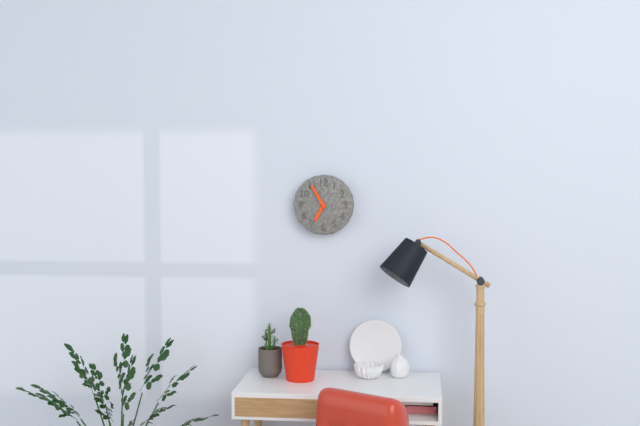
6 h 55 min
